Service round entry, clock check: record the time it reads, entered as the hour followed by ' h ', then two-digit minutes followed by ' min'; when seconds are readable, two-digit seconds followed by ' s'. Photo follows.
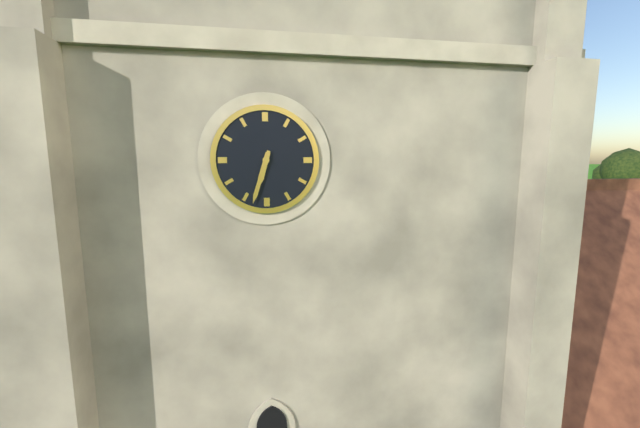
6 h 33 min
